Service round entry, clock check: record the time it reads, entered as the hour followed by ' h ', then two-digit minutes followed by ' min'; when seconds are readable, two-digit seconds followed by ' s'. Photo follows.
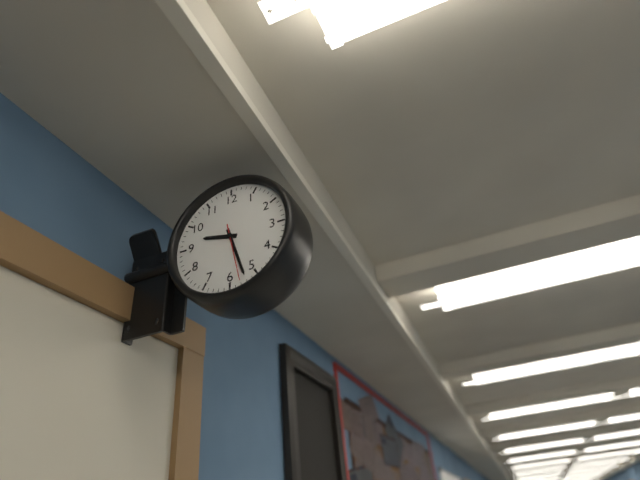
9 h 27 min
